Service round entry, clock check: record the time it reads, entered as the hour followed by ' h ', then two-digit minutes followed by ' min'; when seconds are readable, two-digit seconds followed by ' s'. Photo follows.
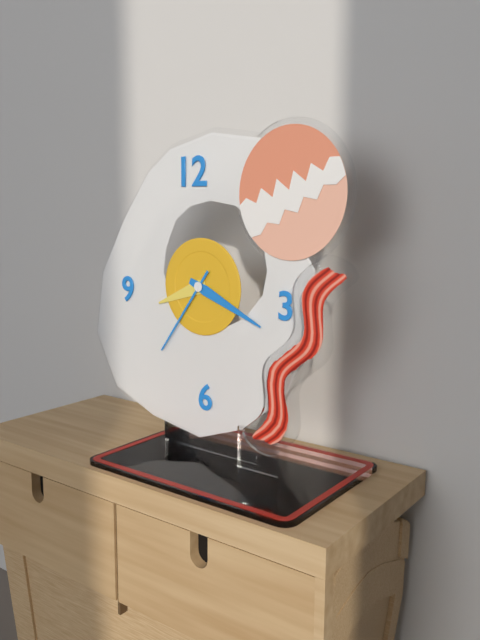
8 h 19 min 36 s
